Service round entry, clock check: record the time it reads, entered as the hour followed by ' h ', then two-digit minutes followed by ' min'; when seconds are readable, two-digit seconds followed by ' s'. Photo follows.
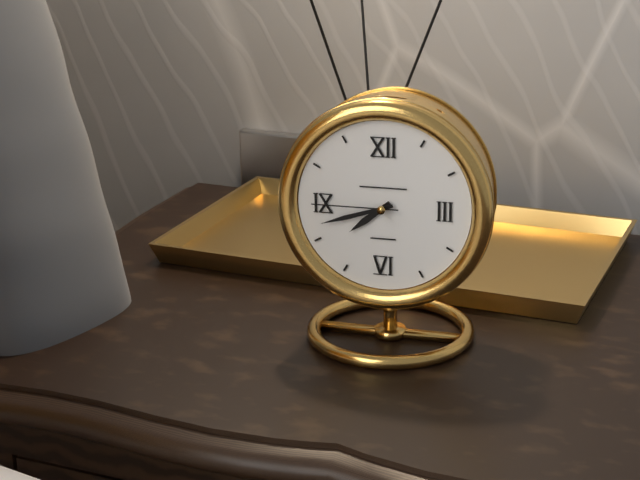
7 h 42 min 45 s
